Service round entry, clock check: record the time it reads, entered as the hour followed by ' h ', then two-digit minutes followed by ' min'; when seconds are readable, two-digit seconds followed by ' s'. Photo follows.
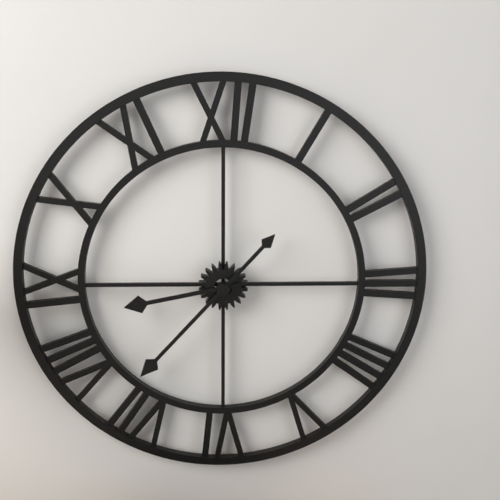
8 h 37 min
